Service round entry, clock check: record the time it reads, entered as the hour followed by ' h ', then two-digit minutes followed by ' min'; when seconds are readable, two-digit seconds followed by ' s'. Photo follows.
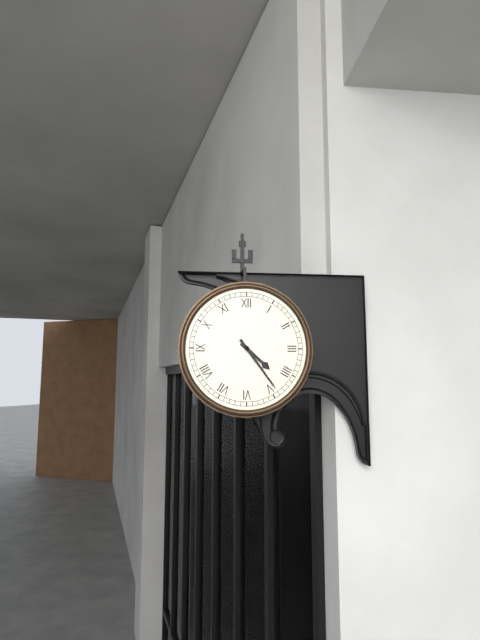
4 h 24 min
